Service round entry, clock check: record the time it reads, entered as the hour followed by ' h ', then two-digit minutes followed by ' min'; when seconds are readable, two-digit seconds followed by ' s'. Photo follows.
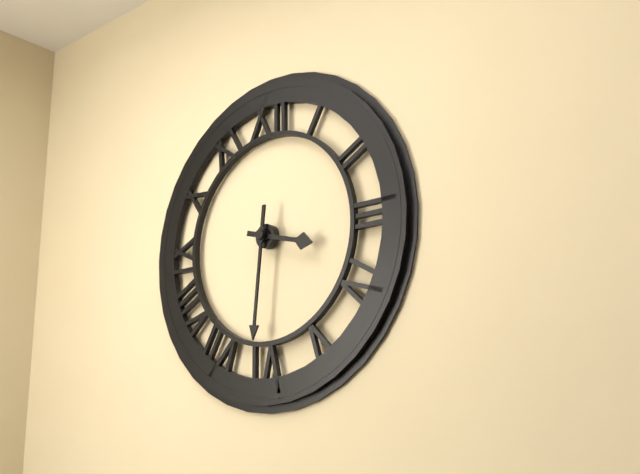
3 h 31 min
